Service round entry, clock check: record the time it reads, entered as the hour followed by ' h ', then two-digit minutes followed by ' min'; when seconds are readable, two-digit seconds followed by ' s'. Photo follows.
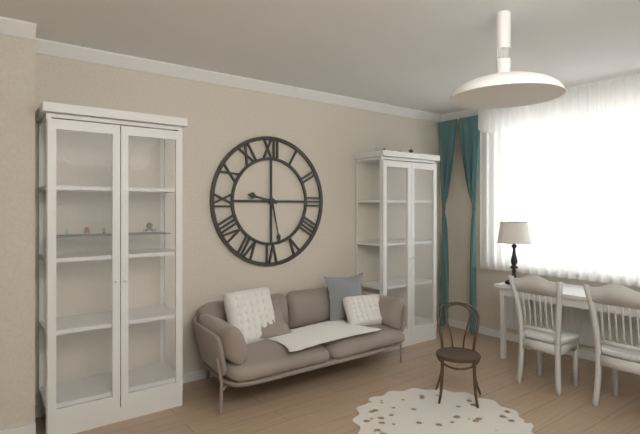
9 h 28 min
